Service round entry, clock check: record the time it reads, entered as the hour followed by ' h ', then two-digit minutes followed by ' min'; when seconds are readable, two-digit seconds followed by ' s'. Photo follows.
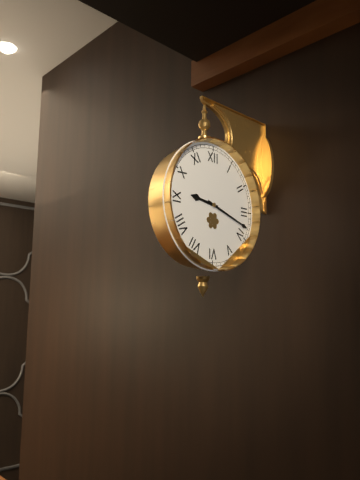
9 h 18 min
